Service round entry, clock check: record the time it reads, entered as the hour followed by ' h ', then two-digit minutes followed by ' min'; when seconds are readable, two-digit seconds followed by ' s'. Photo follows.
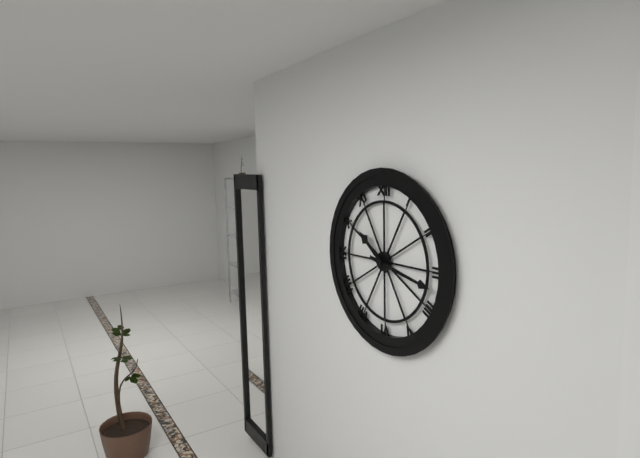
10 h 17 min
